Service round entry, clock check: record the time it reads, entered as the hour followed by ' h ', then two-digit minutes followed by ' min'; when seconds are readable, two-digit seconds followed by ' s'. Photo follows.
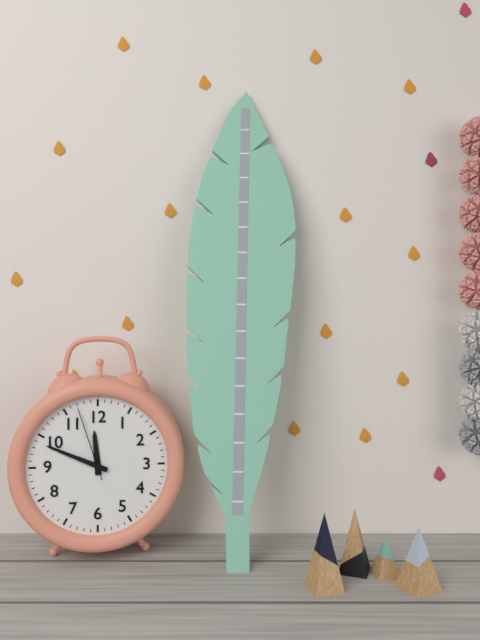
11 h 49 min 57 s
